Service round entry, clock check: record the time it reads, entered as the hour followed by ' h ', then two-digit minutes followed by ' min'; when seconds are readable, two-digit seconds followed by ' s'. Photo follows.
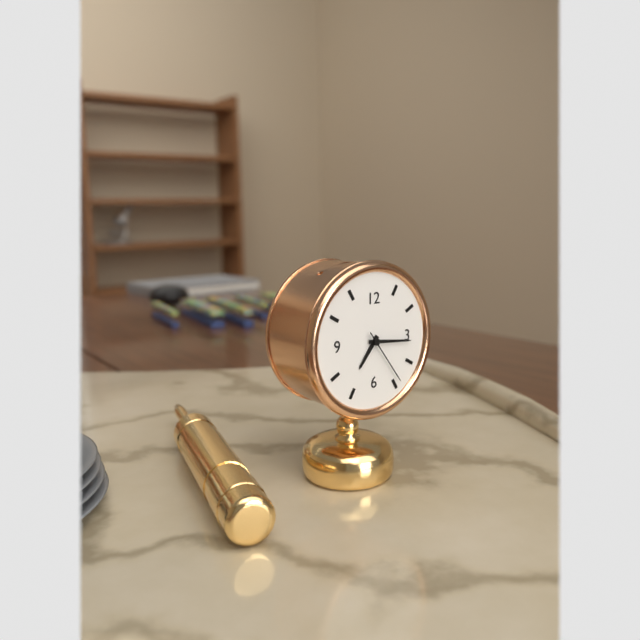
7 h 16 min 24 s
